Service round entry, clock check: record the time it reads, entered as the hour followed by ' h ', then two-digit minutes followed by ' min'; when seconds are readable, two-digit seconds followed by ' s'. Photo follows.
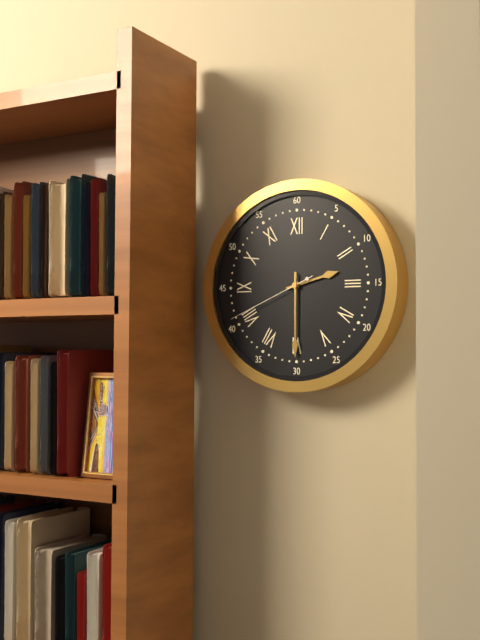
2 h 30 min 41 s
